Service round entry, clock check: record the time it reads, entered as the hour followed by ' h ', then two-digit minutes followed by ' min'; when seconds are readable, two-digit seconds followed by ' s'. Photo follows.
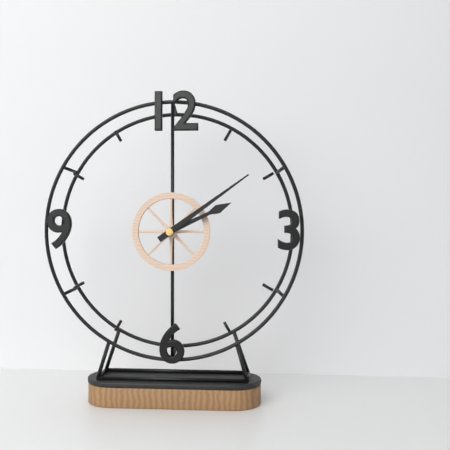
2 h 09 min
